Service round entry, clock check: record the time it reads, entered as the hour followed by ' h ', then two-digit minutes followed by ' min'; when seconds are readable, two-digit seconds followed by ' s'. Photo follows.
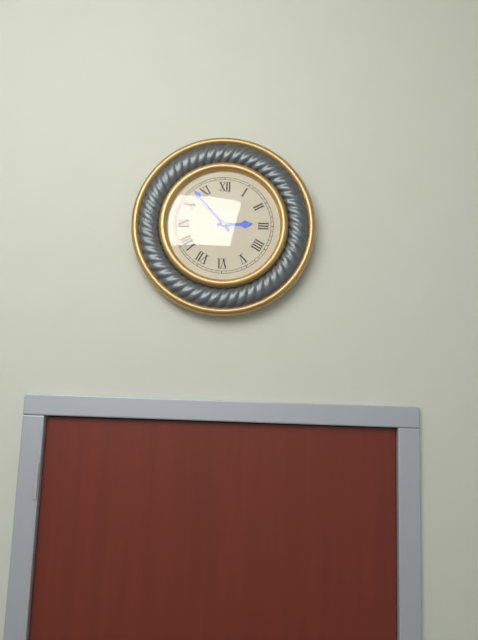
2 h 53 min
